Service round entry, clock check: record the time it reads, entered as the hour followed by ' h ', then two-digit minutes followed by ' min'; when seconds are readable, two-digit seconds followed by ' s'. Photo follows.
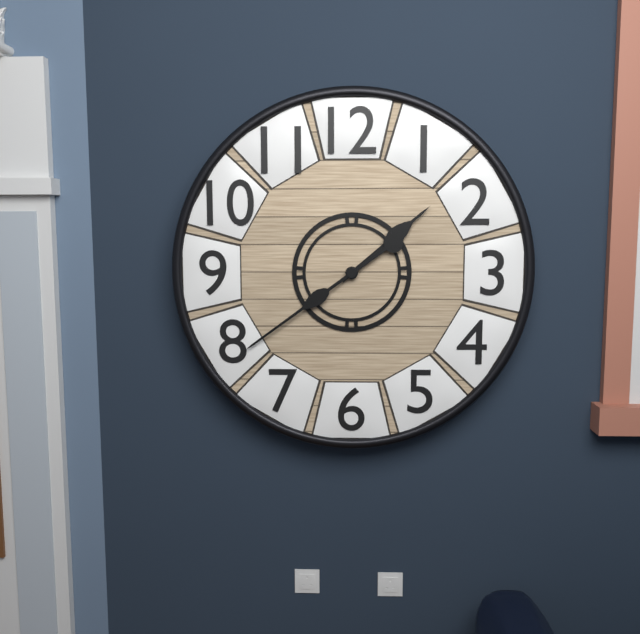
1 h 39 min
